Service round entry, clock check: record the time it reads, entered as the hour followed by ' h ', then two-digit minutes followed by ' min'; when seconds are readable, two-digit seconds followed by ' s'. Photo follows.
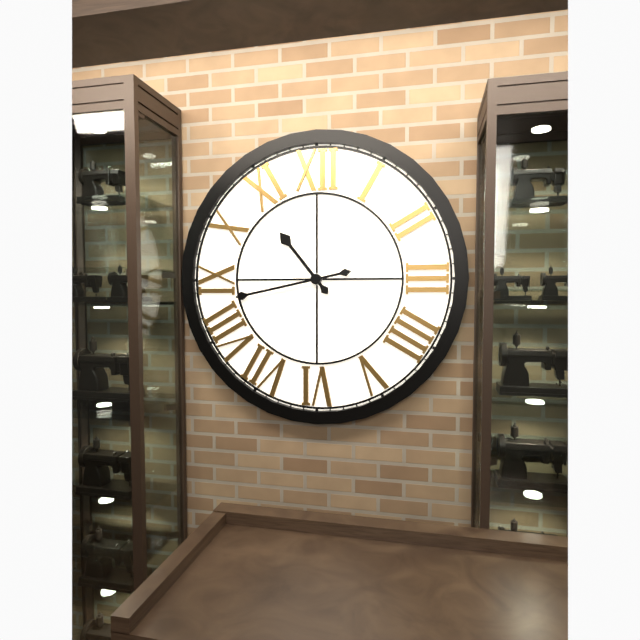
10 h 43 min
